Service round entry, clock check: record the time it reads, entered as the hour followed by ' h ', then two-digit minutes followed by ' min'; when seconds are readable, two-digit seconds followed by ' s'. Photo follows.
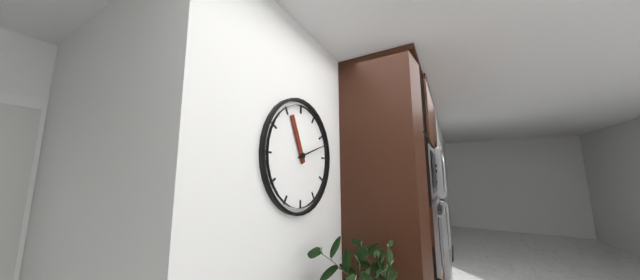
11 h 12 min
